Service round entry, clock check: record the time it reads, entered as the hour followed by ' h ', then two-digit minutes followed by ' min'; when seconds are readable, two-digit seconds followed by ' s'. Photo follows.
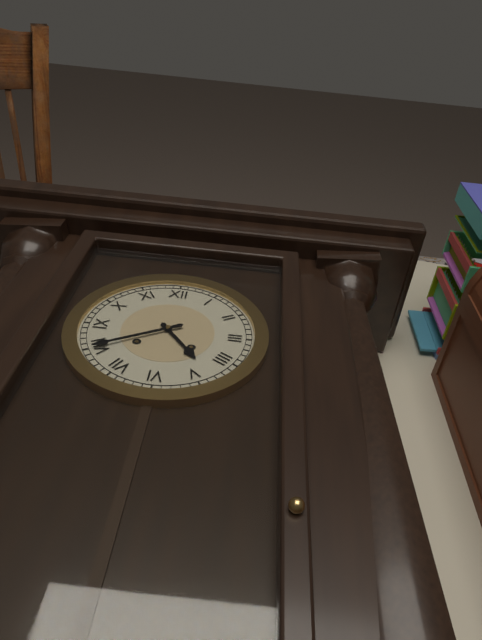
4 h 40 min
